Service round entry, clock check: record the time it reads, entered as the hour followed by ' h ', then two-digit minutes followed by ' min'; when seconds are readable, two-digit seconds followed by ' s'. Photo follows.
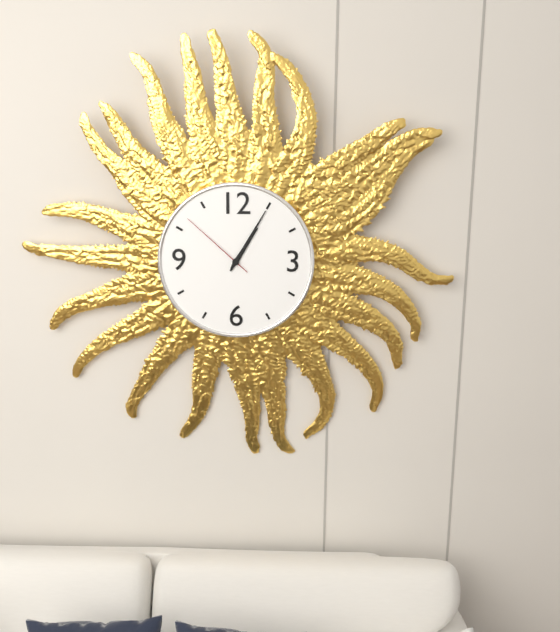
1 h 05 min 52 s
